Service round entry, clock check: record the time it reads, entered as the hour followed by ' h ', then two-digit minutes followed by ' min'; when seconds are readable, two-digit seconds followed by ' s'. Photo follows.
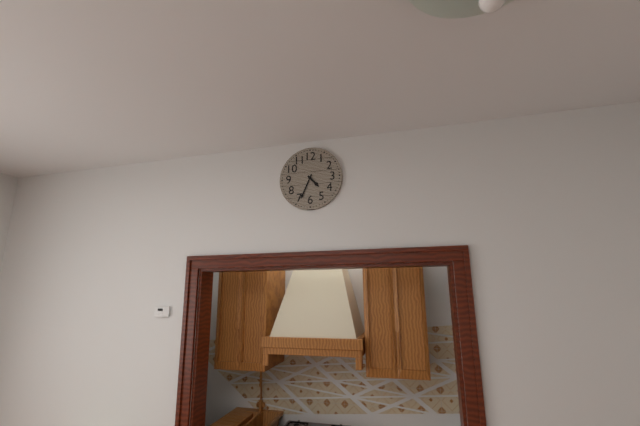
4 h 34 min
